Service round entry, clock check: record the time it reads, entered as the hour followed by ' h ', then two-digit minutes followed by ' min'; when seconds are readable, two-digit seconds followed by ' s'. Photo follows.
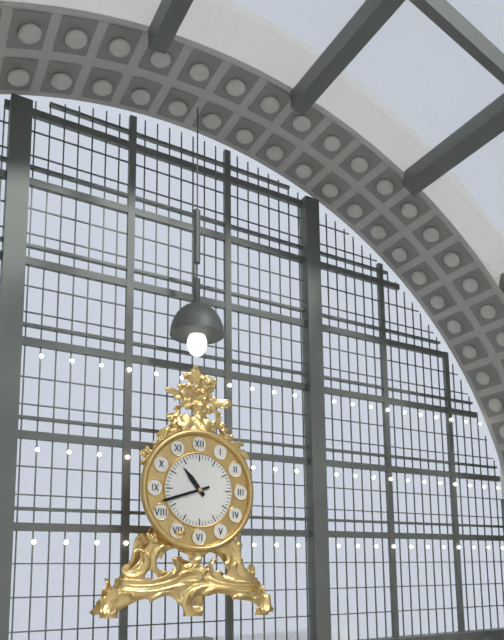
10 h 42 min
